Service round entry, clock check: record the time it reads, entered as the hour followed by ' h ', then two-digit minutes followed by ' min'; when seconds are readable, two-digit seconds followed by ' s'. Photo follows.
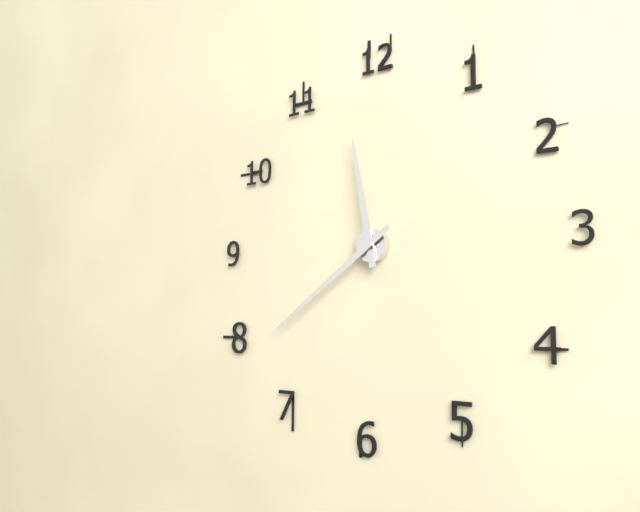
11 h 39 min
